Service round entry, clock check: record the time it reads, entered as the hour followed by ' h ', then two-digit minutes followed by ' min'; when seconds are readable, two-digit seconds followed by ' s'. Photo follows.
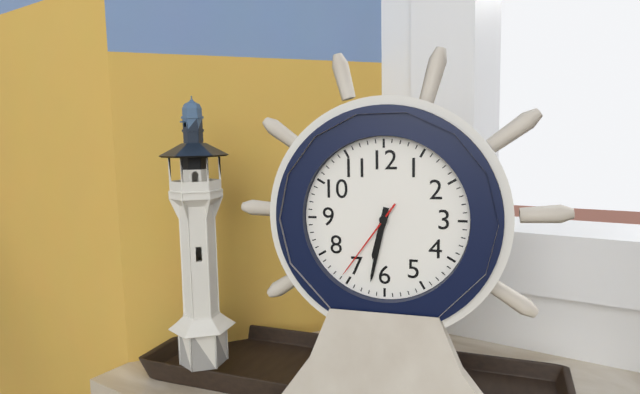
6 h 32 min 36 s
